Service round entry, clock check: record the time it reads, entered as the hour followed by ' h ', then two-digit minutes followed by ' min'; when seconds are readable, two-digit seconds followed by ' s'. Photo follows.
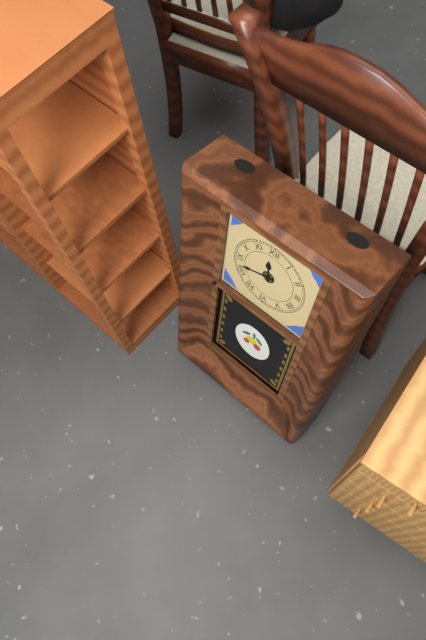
11 h 42 min
